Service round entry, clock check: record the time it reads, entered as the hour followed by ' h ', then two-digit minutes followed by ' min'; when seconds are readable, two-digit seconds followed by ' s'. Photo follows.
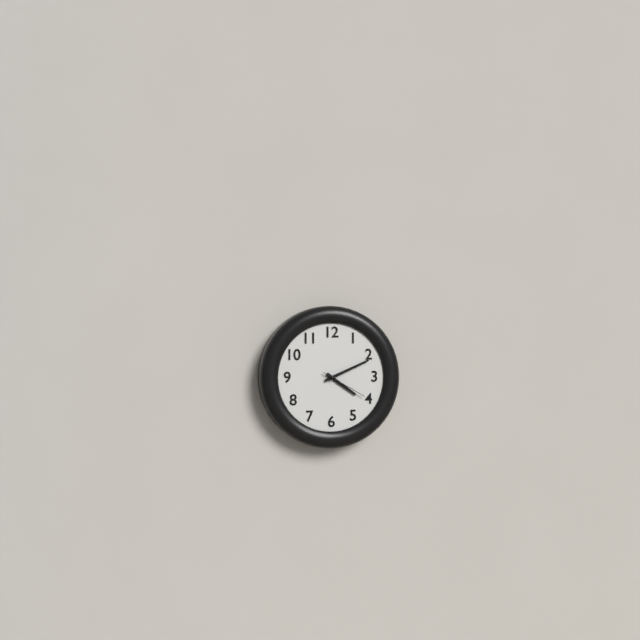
4 h 11 min
